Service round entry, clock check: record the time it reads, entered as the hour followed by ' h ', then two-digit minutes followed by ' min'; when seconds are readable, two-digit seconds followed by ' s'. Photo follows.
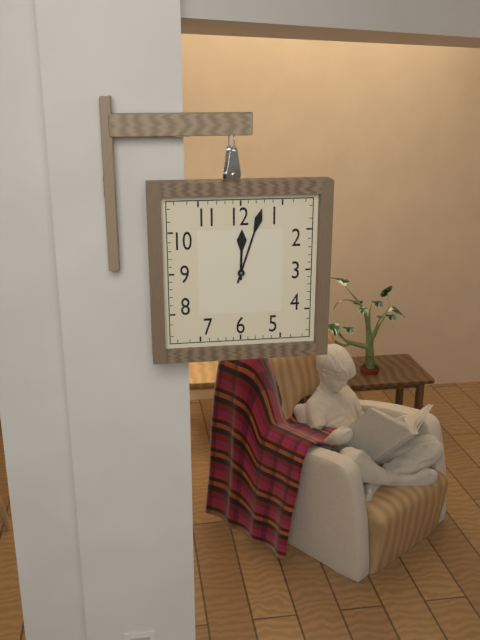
12 h 03 min
